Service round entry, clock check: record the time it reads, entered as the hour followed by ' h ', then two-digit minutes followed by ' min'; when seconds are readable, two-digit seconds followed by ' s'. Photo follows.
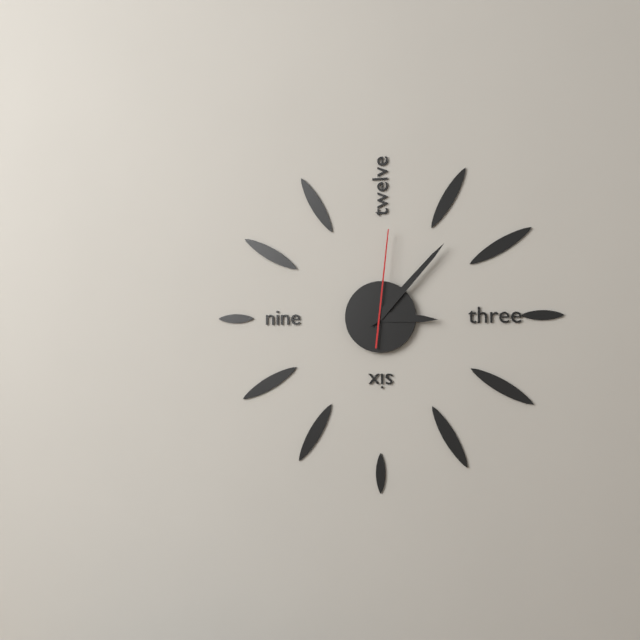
3 h 07 min 01 s
